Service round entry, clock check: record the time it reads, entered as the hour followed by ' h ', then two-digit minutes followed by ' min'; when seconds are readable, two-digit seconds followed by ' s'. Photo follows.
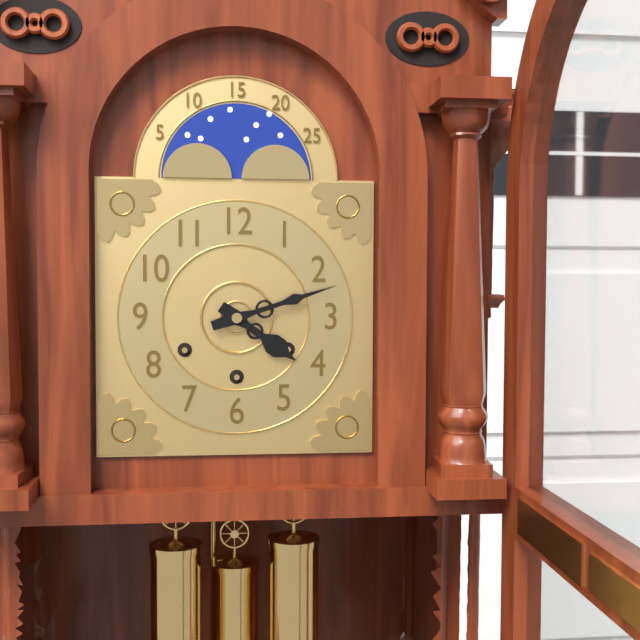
4 h 12 min
